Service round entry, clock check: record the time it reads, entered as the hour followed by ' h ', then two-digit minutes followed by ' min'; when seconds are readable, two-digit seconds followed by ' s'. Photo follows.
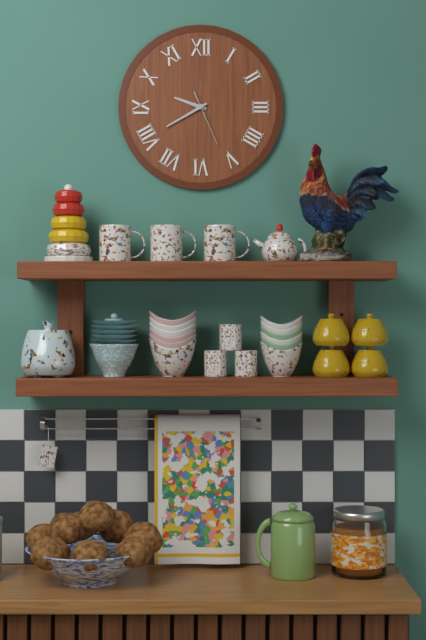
9 h 40 min 26 s
